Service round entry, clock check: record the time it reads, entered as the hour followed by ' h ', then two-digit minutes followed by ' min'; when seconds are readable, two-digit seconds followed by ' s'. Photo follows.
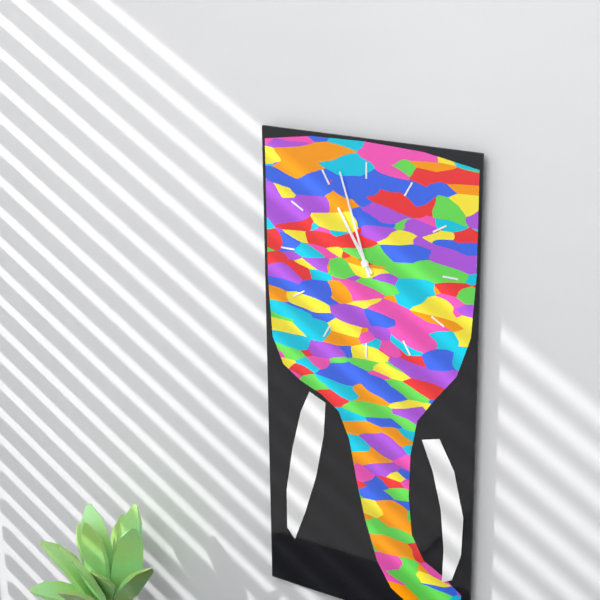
10 h 57 min
